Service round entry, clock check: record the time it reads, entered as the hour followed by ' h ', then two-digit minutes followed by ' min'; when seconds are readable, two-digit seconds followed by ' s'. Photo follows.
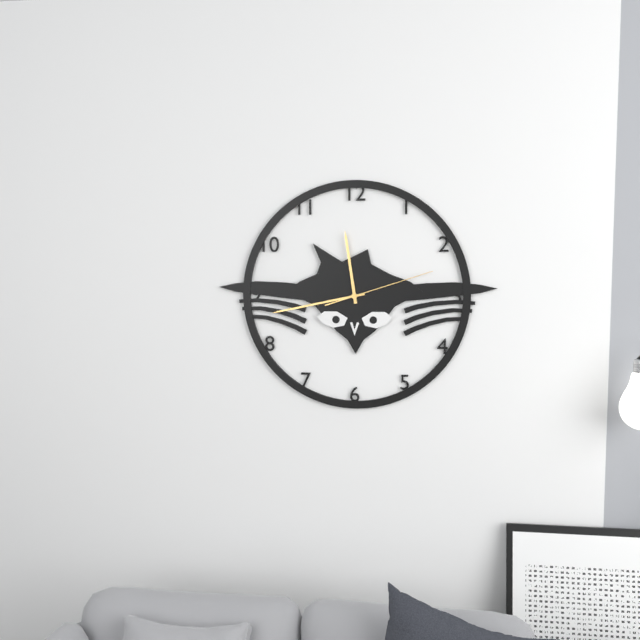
11 h 43 min 12 s
